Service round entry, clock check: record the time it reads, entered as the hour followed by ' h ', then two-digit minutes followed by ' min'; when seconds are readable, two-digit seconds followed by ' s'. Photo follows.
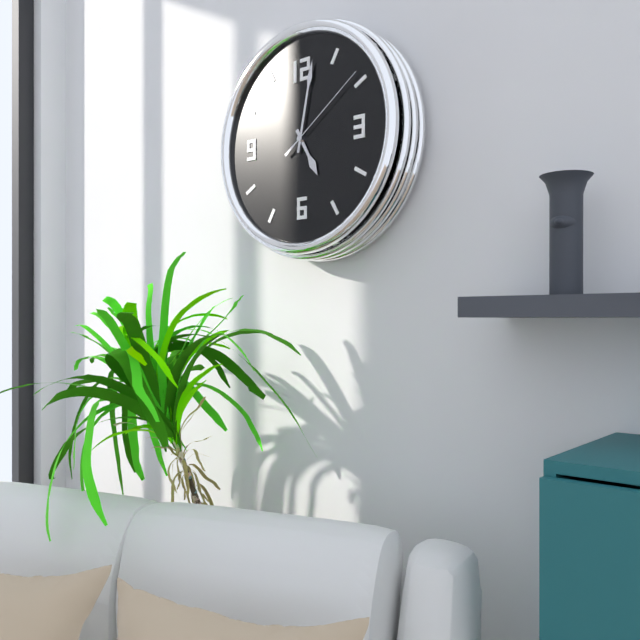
5 h 02 min 09 s
